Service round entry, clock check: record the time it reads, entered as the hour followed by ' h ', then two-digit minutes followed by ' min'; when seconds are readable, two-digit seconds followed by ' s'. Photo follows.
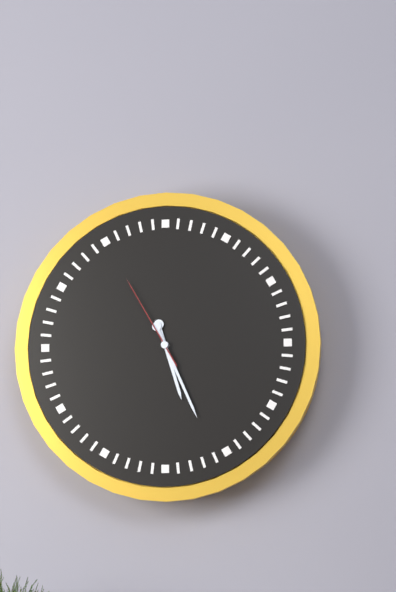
5 h 26 min 55 s
